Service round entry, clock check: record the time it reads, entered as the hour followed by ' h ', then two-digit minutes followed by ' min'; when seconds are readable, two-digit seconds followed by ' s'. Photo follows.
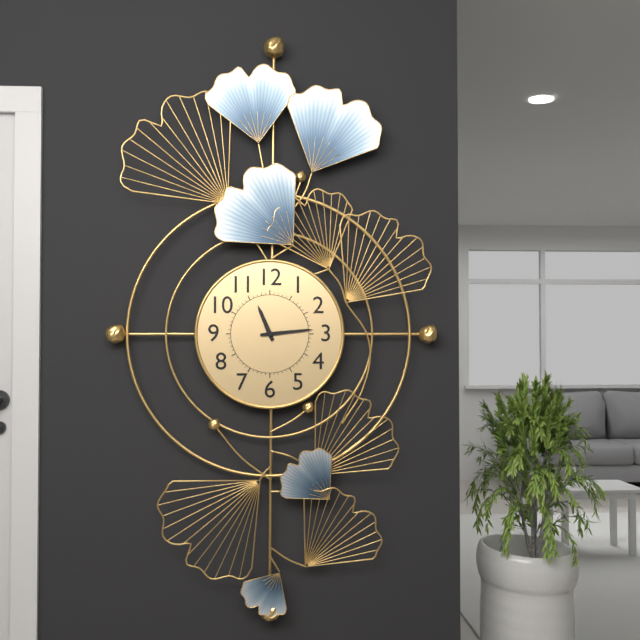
11 h 14 min
